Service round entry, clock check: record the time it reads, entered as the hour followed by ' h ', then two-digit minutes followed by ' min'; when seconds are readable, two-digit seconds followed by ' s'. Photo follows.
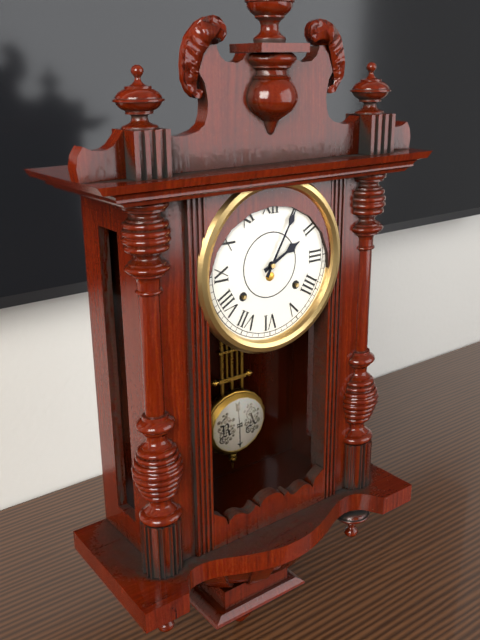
2 h 05 min
